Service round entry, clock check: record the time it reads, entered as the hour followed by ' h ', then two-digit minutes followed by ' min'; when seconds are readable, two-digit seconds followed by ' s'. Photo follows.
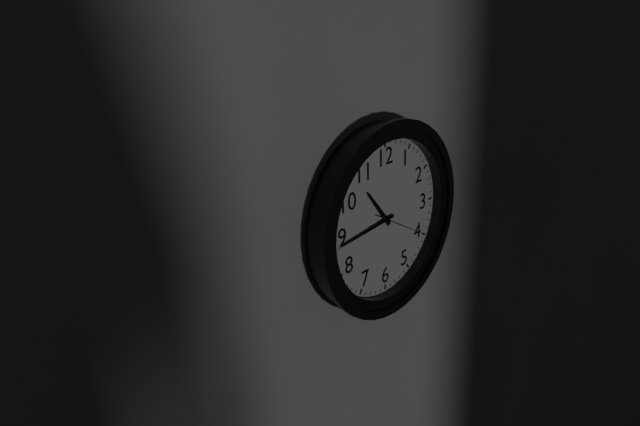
10 h 44 min 20 s
